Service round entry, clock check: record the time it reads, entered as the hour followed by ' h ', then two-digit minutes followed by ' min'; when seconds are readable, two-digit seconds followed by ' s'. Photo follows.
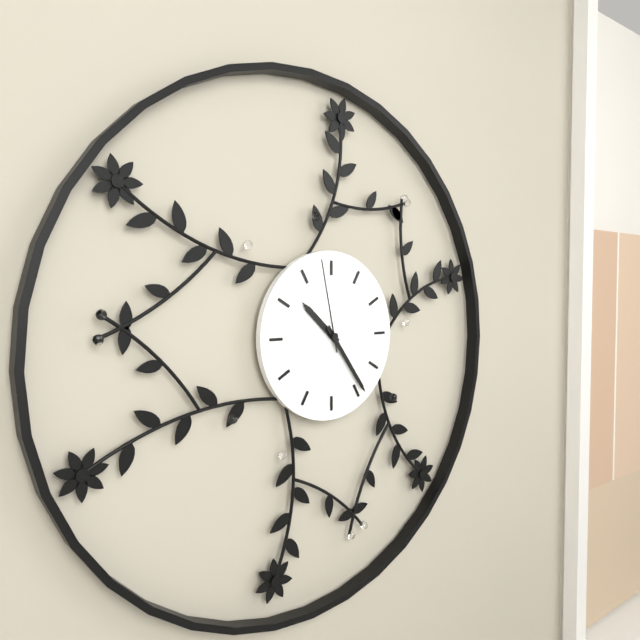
10 h 24 min 58 s
